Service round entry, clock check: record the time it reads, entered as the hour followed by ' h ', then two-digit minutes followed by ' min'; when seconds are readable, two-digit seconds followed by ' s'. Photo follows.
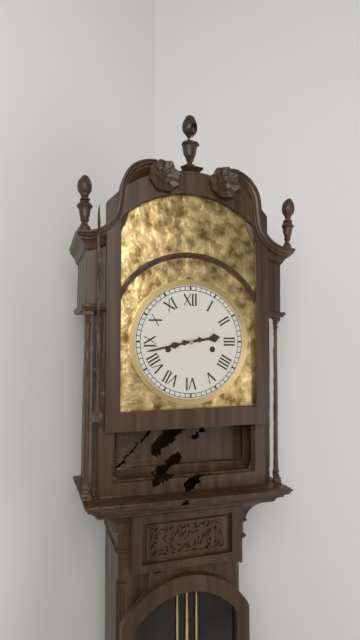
2 h 43 min
